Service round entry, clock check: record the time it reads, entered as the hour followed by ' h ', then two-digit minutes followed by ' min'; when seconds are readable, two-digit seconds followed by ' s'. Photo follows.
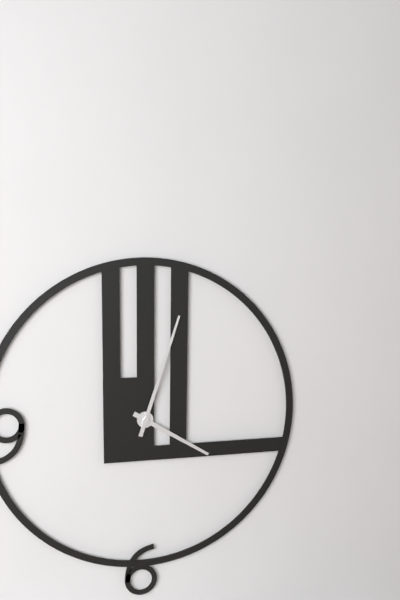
4 h 03 min
